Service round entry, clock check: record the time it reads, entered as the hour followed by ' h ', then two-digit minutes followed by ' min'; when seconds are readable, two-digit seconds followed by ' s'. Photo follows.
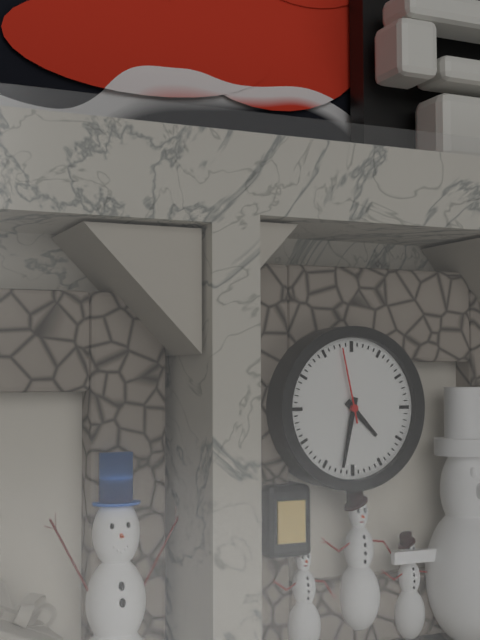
4 h 32 min 58 s
